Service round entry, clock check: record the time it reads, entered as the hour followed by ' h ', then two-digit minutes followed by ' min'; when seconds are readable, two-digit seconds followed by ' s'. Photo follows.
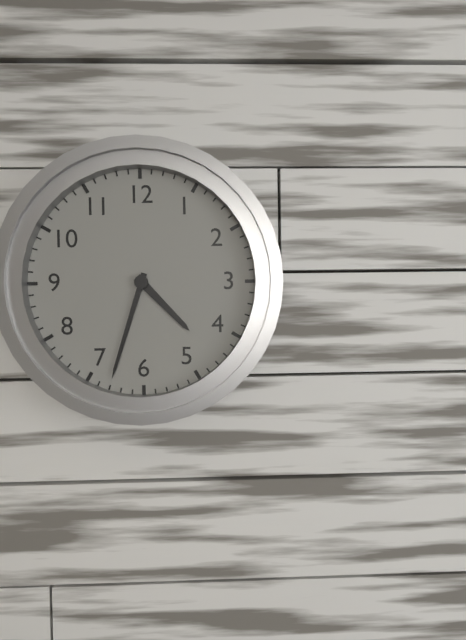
4 h 33 min
